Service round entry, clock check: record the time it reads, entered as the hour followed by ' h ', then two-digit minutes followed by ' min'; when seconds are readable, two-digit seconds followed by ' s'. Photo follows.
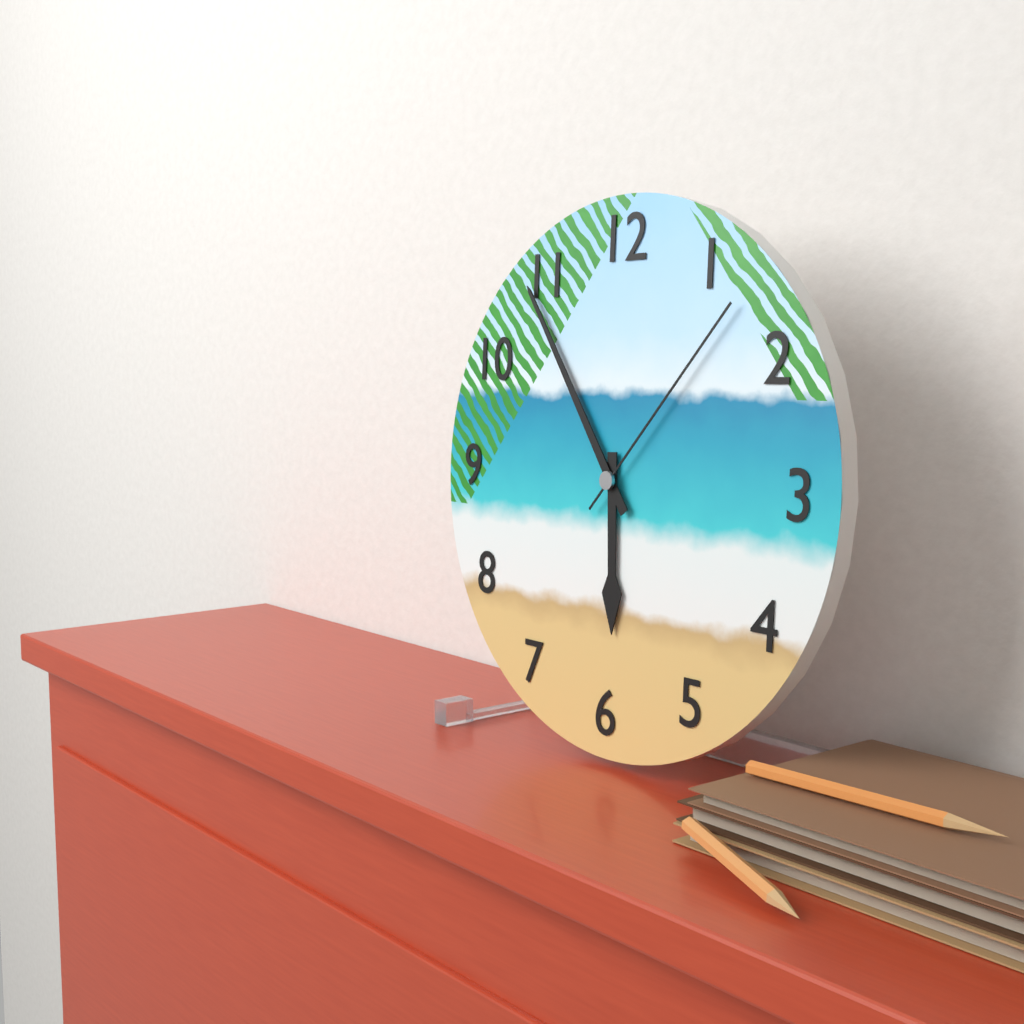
5 h 54 min 07 s
